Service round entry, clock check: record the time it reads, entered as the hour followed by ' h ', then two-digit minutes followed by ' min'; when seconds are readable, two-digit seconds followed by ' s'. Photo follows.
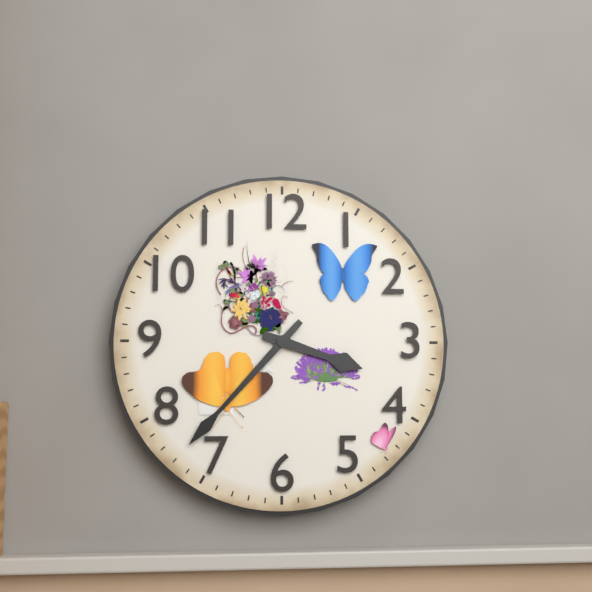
3 h 37 min
